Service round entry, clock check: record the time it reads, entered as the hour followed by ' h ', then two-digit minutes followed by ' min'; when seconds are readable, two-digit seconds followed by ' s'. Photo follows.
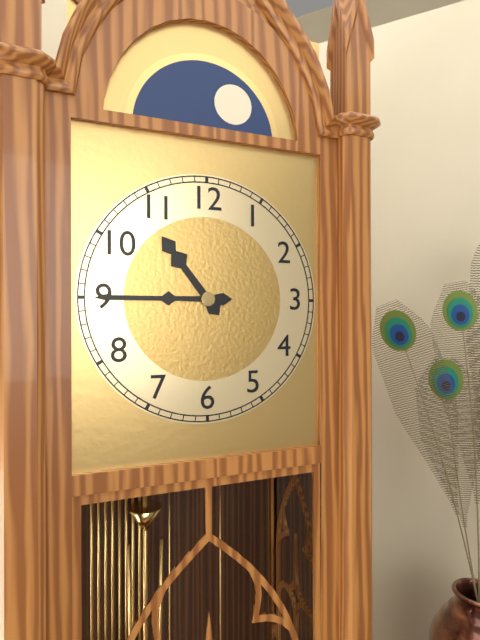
10 h 45 min
